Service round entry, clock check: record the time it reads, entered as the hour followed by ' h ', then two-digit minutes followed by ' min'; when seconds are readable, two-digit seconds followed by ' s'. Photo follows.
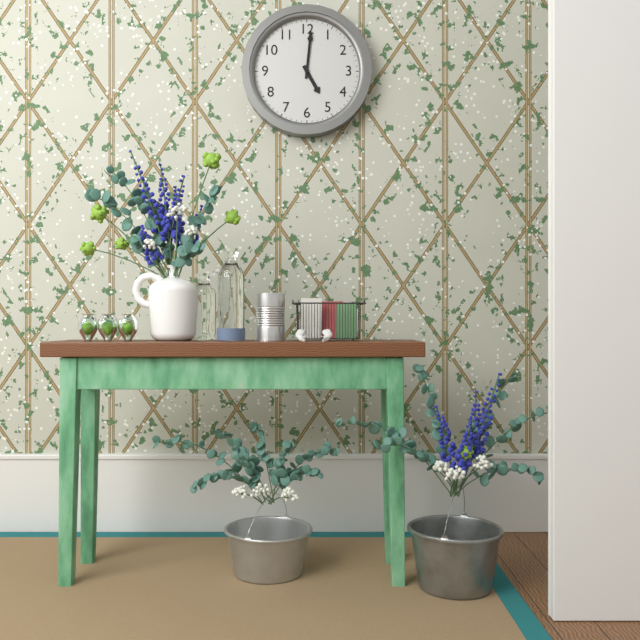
5 h 01 min
